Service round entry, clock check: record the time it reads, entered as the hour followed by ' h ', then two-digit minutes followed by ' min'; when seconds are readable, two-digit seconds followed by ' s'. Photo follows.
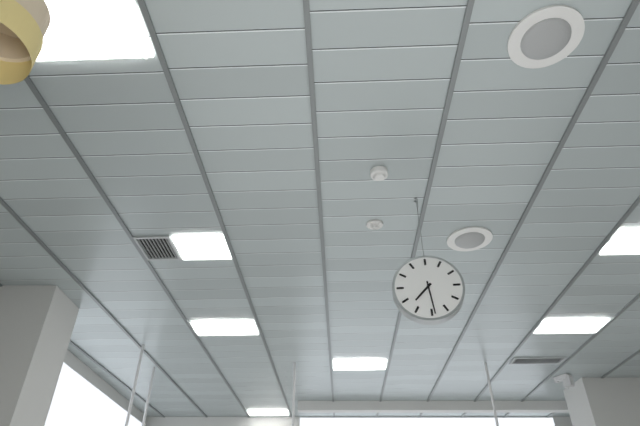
7 h 29 min
